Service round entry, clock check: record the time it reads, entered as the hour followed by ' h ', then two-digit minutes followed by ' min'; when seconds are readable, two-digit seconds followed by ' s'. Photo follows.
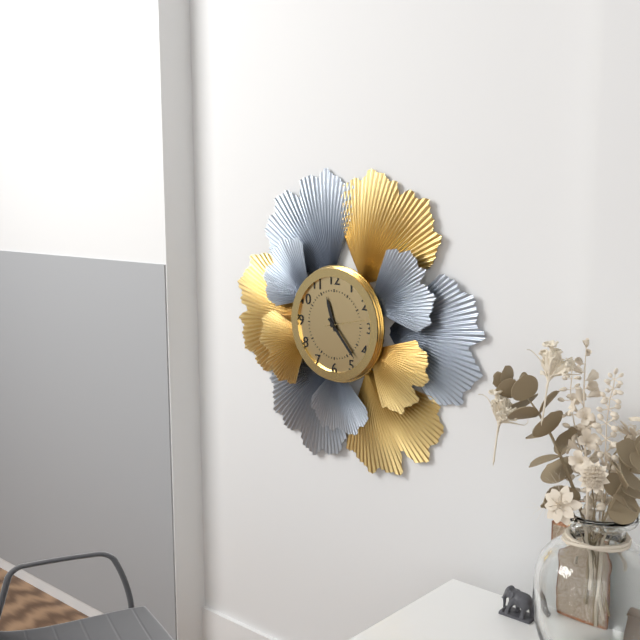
11 h 23 min
